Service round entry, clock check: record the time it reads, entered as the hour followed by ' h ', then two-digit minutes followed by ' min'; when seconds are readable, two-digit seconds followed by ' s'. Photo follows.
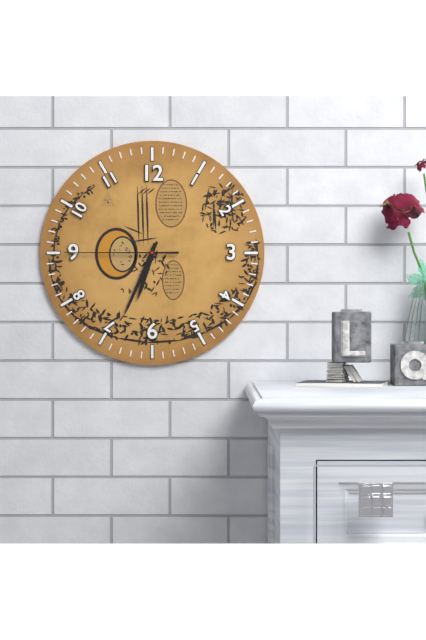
6 h 34 min 45 s
